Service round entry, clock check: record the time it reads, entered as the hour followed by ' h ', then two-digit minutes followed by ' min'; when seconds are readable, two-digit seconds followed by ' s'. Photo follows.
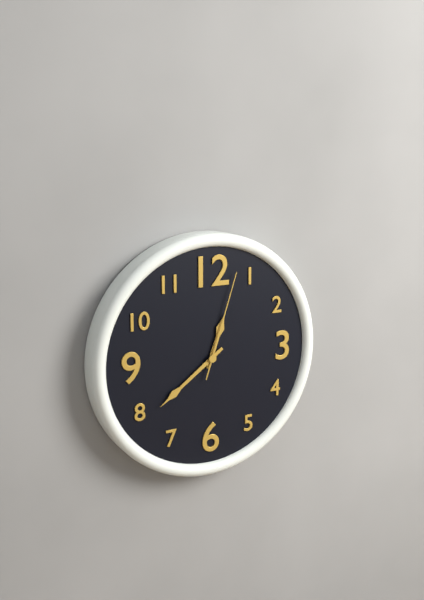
12 h 39 min 03 s
